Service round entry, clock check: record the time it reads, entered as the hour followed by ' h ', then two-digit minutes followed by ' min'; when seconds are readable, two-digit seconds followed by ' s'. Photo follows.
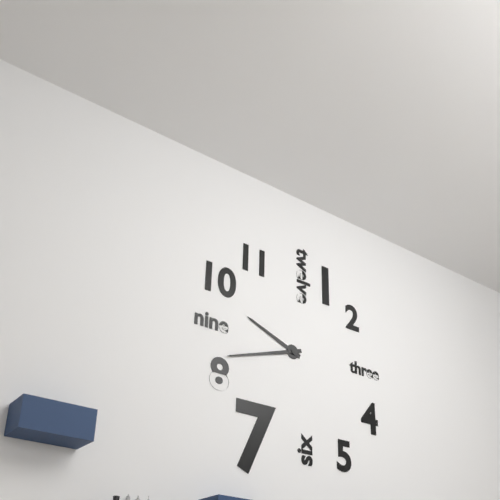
9 h 42 min
